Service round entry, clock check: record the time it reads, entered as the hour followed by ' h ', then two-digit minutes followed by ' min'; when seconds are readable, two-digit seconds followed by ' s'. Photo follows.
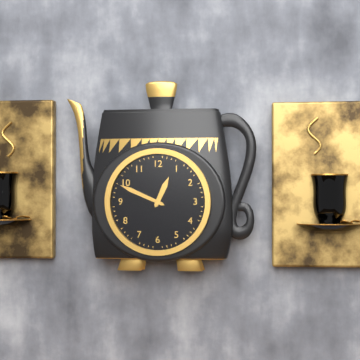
12 h 49 min
